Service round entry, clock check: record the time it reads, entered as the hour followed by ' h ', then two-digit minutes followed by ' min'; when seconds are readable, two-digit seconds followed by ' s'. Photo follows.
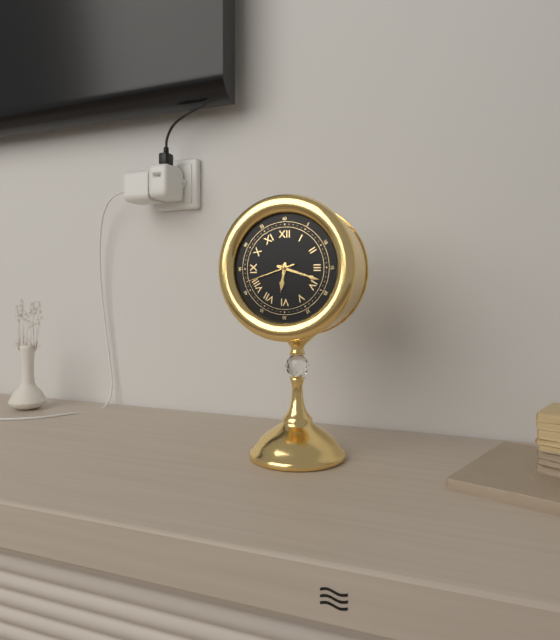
6 h 18 min 42 s
